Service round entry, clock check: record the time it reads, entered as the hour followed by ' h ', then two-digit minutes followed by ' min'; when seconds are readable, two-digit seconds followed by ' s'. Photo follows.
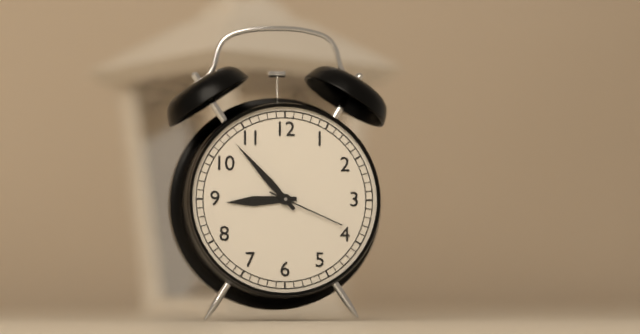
8 h 53 min 19 s
